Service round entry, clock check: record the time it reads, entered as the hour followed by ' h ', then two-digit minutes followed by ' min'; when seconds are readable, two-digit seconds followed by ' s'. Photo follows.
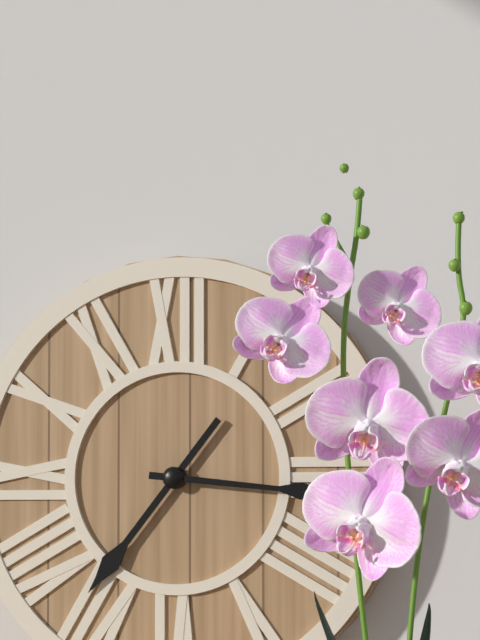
7 h 16 min
